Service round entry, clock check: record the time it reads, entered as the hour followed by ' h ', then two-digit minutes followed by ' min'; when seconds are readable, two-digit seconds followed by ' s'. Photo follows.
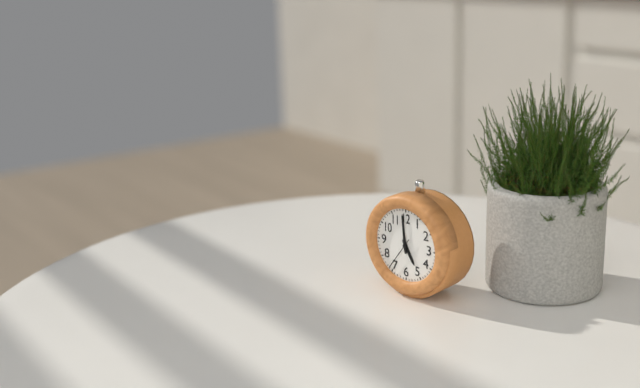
4 h 59 min
